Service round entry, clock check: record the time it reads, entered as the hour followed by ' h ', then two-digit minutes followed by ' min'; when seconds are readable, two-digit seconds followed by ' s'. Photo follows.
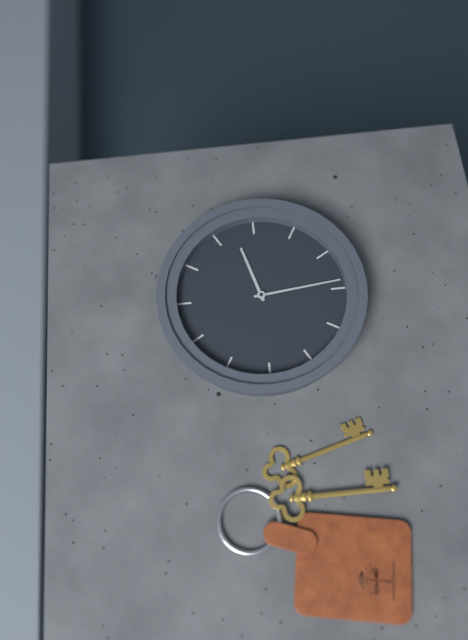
2 h 29 min
